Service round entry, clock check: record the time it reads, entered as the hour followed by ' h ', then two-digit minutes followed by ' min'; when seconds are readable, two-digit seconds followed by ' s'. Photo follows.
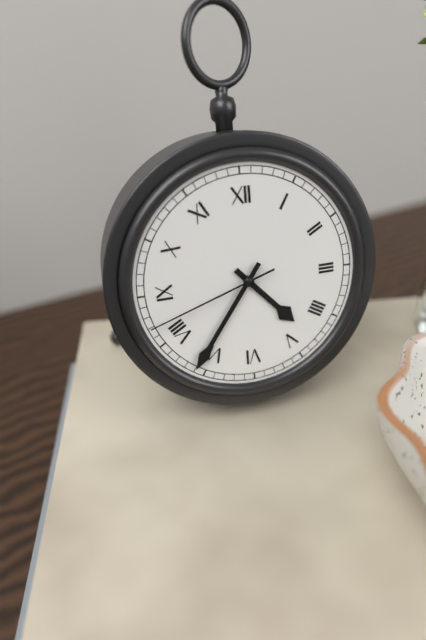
4 h 36 min 42 s
